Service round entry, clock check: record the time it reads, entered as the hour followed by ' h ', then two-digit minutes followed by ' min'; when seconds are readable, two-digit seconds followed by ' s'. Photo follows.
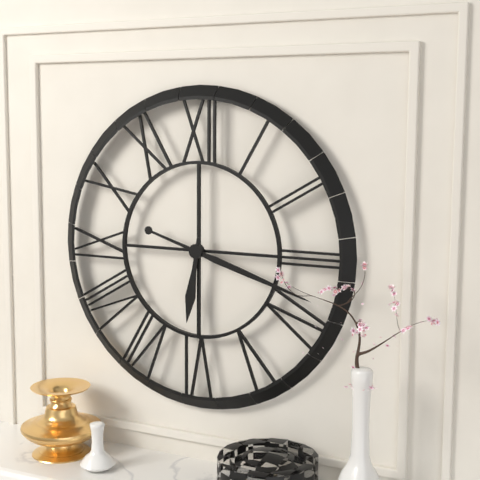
6 h 18 min
